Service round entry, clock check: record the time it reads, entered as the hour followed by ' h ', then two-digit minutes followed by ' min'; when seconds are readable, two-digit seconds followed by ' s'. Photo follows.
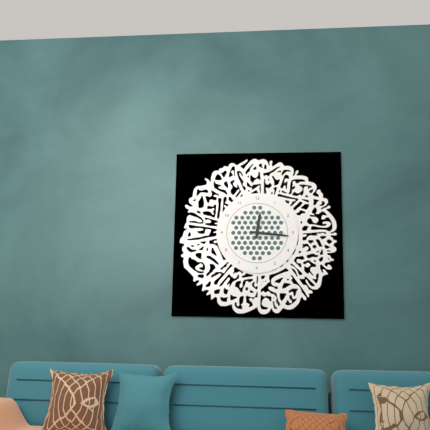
12 h 16 min
